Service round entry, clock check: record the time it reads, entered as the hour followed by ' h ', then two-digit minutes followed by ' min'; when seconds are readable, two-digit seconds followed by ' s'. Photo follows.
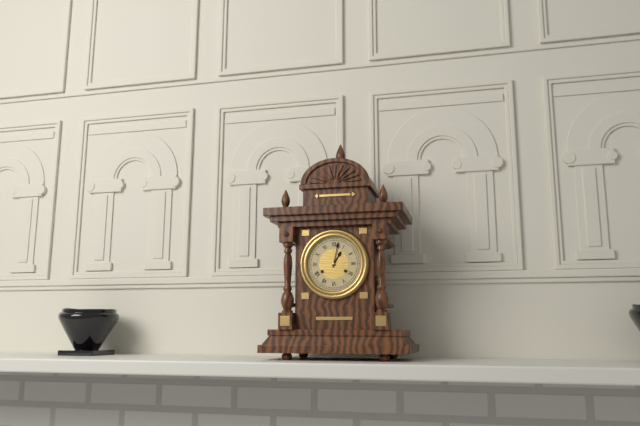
1 h 02 min
